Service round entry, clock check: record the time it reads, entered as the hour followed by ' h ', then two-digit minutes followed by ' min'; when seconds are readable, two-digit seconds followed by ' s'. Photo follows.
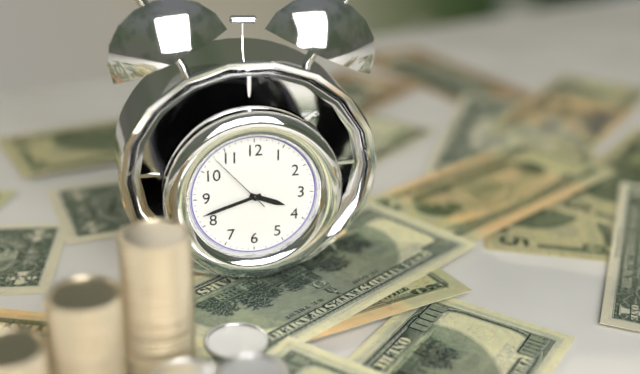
3 h 42 min 53 s
